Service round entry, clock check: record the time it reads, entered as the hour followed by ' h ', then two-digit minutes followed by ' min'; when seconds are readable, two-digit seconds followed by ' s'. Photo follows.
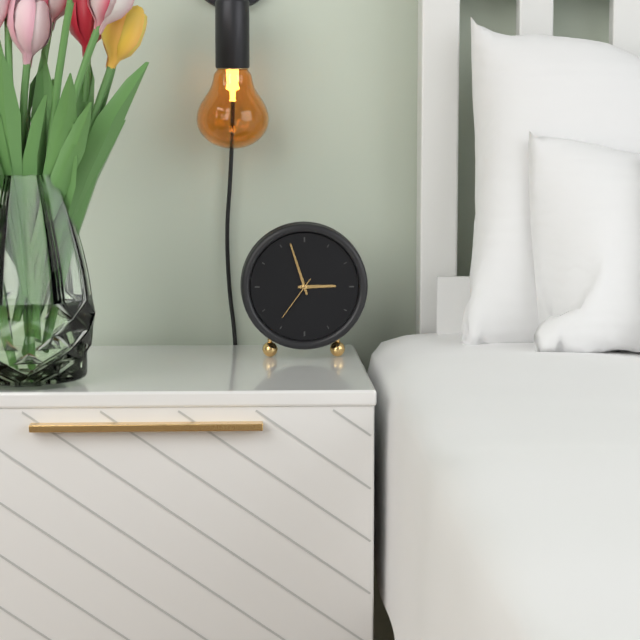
2 h 57 min
